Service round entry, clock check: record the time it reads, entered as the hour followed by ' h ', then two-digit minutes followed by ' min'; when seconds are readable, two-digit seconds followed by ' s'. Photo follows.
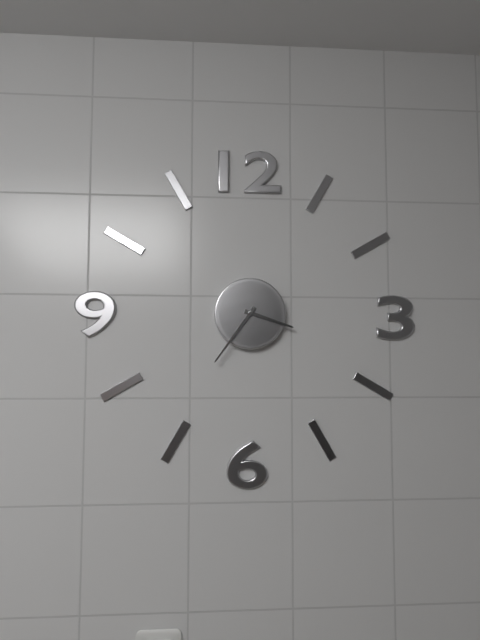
3 h 36 min
